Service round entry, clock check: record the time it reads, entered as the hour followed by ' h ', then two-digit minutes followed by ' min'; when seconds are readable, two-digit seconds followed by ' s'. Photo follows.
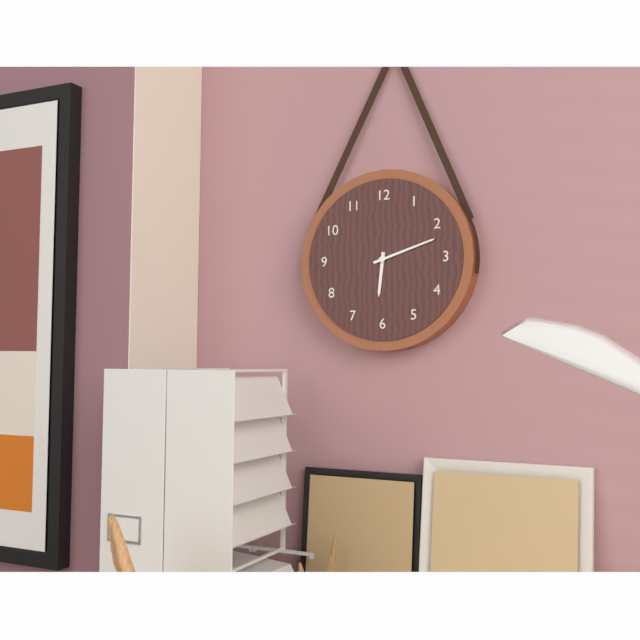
6 h 12 min
